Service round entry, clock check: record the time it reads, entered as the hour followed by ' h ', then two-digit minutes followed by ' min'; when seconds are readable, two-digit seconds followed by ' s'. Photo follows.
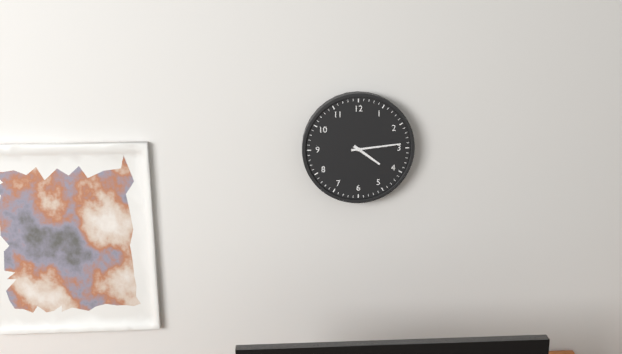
4 h 14 min
